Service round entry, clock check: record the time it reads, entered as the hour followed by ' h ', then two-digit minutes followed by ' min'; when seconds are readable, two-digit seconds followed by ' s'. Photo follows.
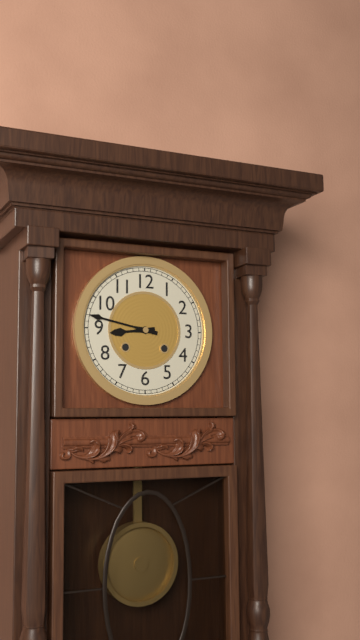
8 h 47 min
